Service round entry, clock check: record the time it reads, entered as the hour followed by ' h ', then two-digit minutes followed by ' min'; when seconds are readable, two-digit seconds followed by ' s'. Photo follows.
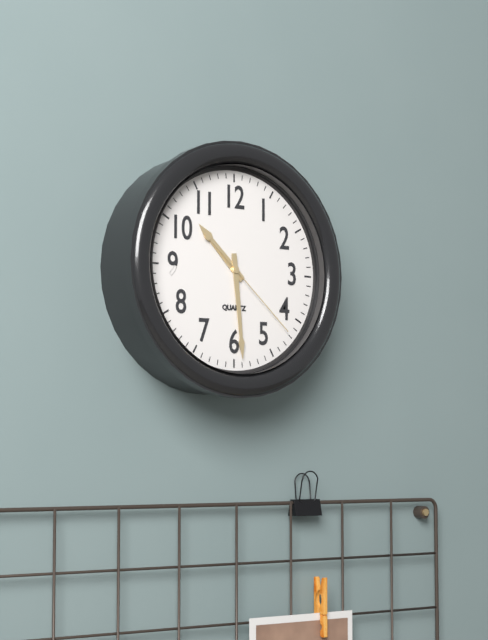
10 h 29 min 22 s
